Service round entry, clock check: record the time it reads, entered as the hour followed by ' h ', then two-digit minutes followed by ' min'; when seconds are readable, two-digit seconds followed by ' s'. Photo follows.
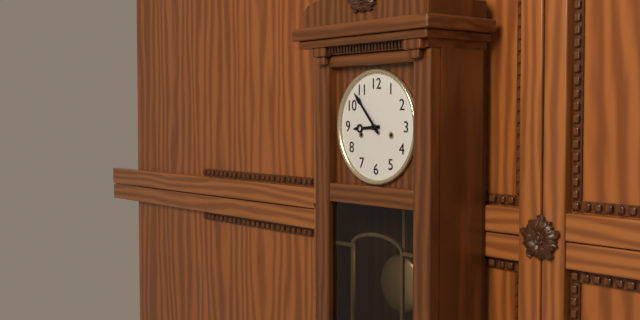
8 h 53 min
